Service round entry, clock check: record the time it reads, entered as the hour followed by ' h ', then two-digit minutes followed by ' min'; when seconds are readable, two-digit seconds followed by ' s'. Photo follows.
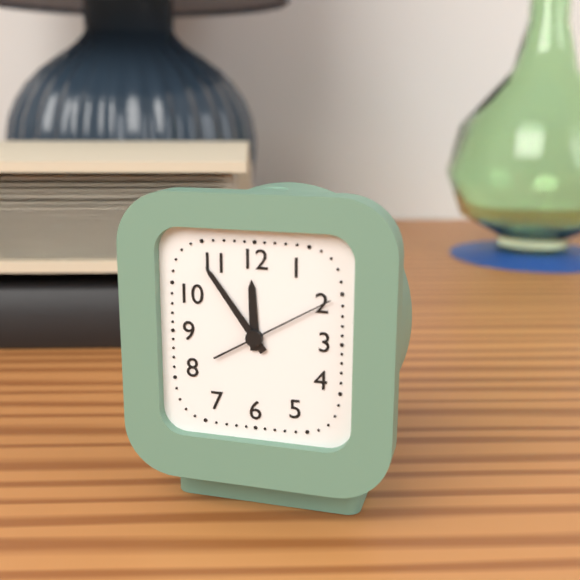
11 h 54 min 10 s
